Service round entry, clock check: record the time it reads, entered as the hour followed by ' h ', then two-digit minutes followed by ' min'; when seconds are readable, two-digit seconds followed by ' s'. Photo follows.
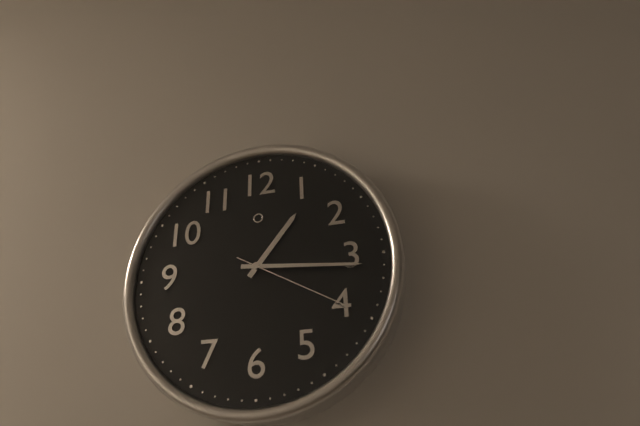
1 h 16 min 20 s
